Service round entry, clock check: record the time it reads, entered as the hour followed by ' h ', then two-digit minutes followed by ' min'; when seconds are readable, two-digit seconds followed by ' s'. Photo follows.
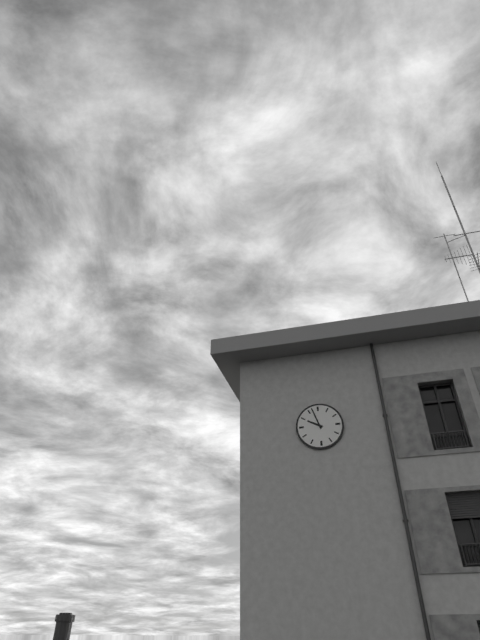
9 h 57 min
